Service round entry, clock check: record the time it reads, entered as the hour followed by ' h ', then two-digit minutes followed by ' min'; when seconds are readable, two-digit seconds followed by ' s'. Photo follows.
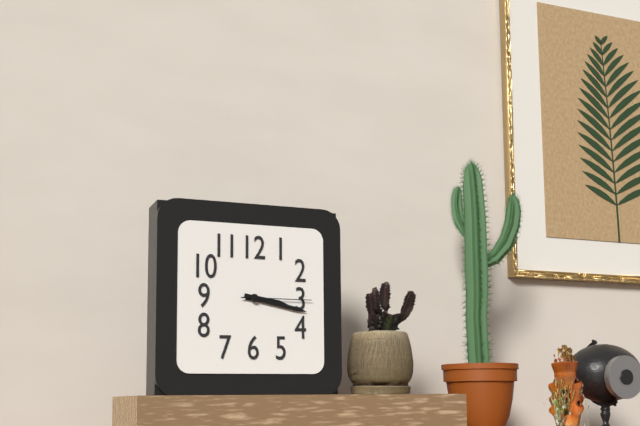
3 h 17 min 15 s
